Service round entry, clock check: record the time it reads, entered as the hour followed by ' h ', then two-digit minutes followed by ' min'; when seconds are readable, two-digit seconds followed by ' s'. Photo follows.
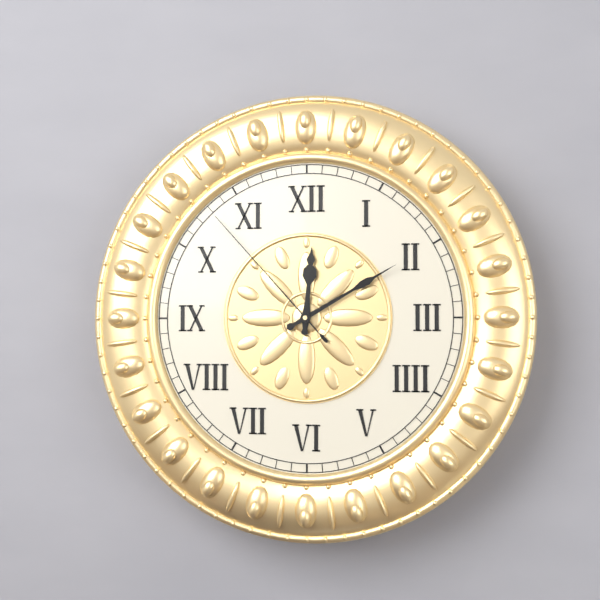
12 h 10 min 53 s
